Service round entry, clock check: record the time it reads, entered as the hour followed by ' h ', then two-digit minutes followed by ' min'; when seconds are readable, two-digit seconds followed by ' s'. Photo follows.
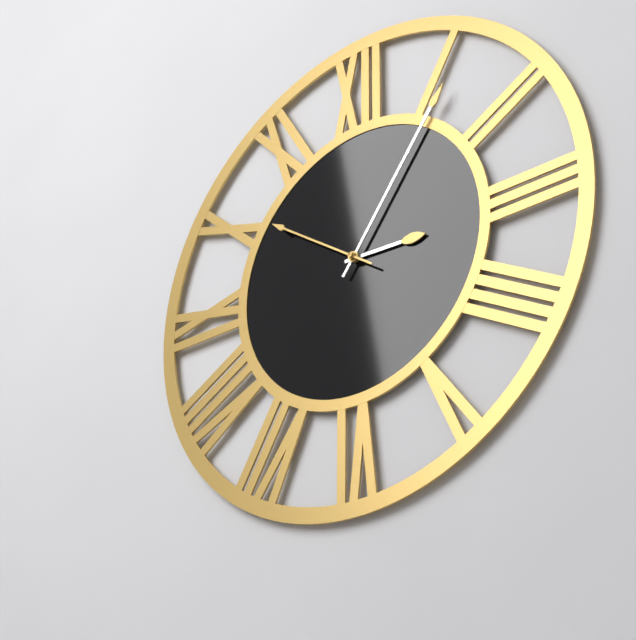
3 h 06 min 51 s
